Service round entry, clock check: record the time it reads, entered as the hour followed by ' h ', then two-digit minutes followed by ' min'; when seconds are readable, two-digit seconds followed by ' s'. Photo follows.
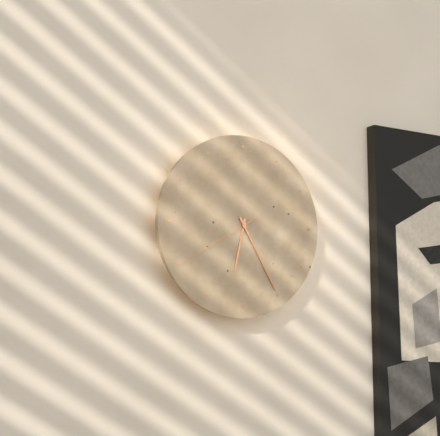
6 h 25 min 40 s
